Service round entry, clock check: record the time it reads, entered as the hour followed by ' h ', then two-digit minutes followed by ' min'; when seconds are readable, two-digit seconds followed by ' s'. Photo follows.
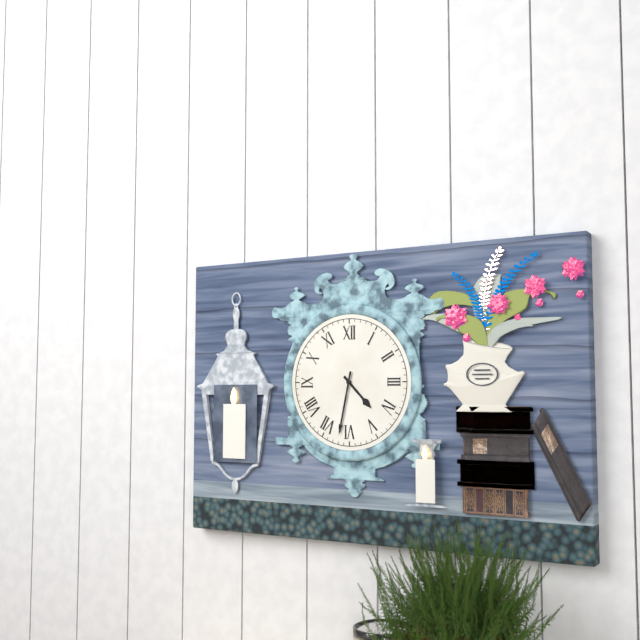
4 h 32 min
